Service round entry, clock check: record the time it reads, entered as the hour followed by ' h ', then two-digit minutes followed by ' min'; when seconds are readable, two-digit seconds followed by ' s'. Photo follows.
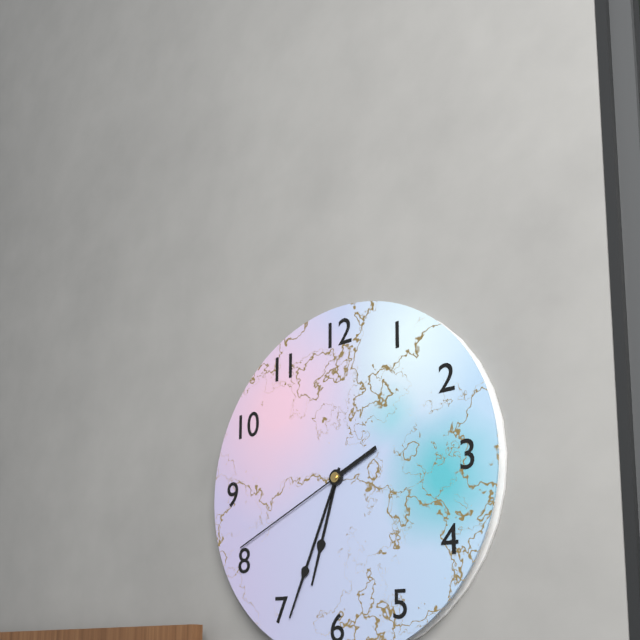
6 h 34 min 41 s
